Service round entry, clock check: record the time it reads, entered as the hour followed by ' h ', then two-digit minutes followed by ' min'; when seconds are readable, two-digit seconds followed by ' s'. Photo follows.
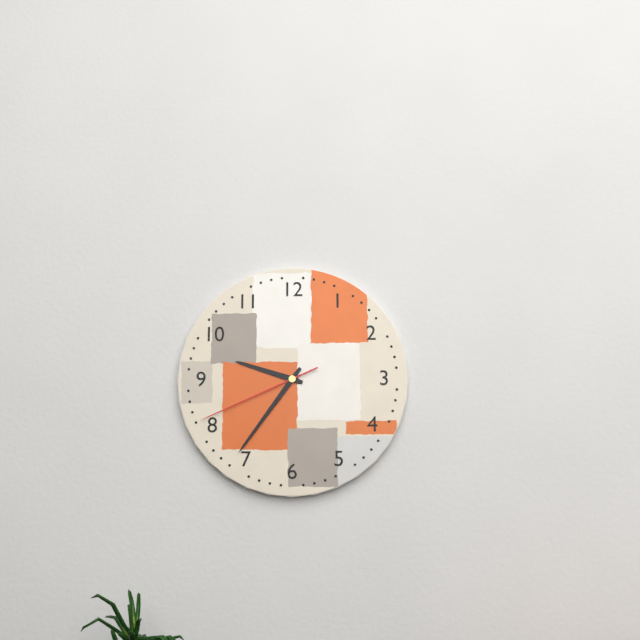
9 h 36 min 41 s
